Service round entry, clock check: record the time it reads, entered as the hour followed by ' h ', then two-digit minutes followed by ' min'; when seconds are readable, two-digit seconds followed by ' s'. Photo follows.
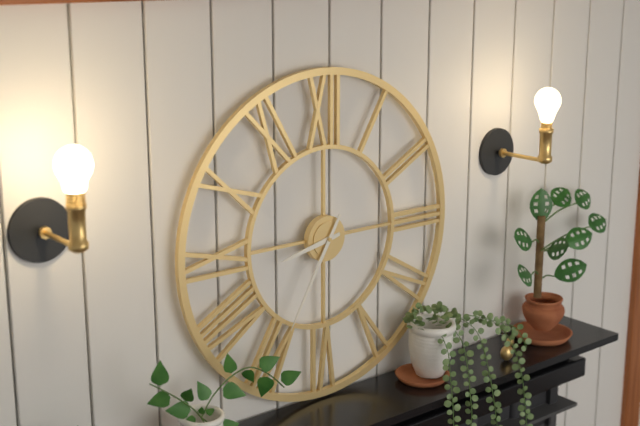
8 h 35 min
